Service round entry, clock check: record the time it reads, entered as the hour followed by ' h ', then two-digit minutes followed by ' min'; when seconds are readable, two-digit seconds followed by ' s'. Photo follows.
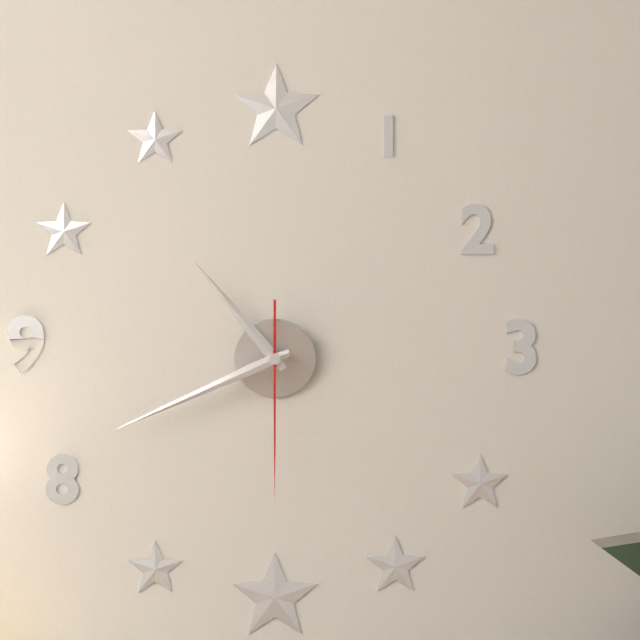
10 h 41 min 30 s
